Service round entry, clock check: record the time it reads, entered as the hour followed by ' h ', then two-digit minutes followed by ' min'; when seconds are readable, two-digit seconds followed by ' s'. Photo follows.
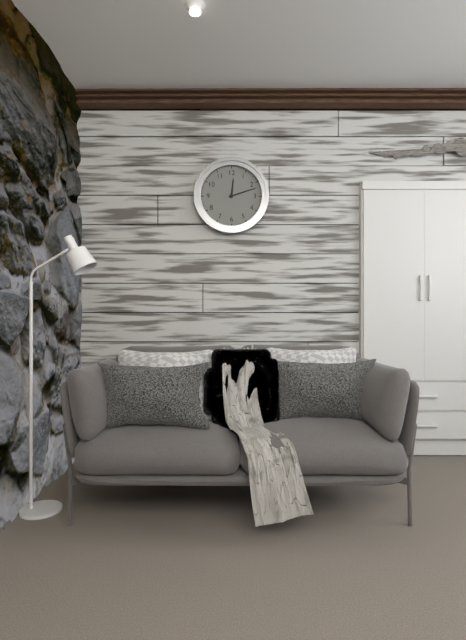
12 h 12 min
